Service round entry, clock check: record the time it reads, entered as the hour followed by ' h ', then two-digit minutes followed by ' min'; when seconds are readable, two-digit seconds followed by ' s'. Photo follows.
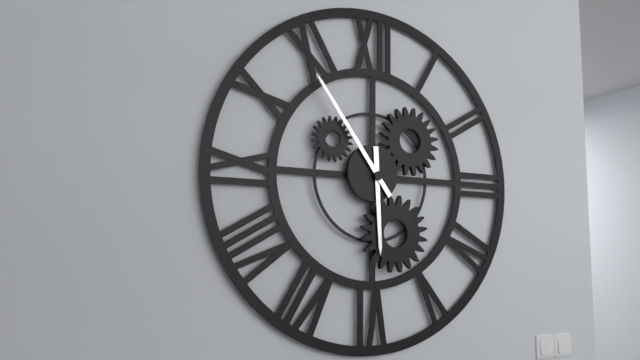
5 h 54 min
